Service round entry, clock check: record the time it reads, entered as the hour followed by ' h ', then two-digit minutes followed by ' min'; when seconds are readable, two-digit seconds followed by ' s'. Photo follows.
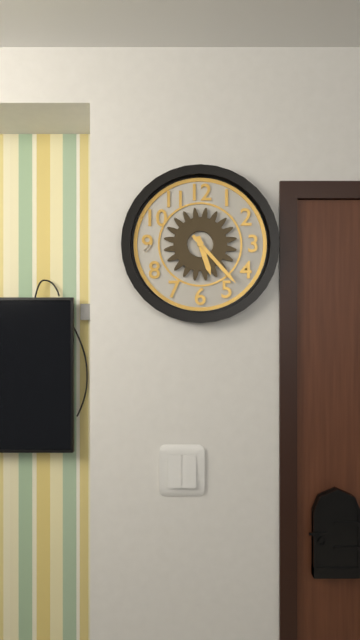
5 h 23 min
